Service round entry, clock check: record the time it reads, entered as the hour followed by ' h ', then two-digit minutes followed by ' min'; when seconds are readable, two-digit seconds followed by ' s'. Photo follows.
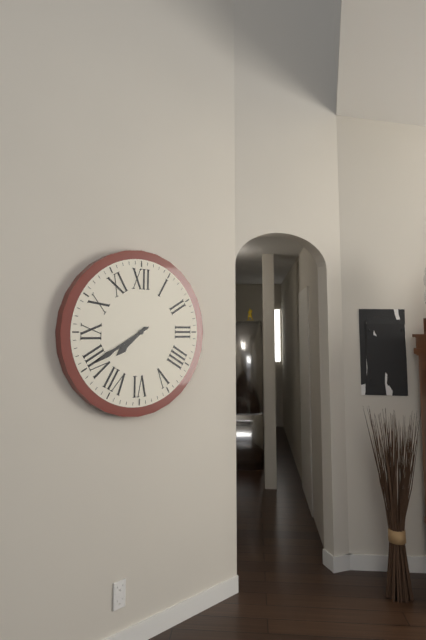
7 h 40 min
